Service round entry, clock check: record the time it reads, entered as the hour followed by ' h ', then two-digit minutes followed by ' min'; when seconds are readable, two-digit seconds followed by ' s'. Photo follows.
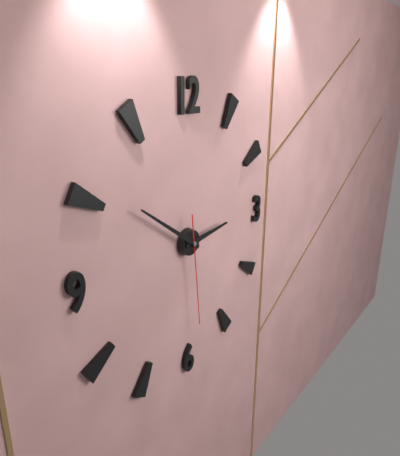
2 h 51 min 29 s
